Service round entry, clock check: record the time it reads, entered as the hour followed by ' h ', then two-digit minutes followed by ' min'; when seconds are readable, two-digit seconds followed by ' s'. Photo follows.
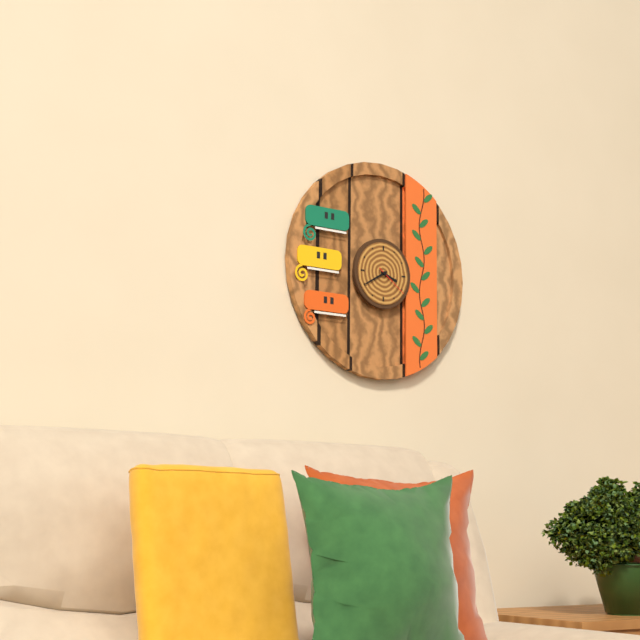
3 h 40 min
